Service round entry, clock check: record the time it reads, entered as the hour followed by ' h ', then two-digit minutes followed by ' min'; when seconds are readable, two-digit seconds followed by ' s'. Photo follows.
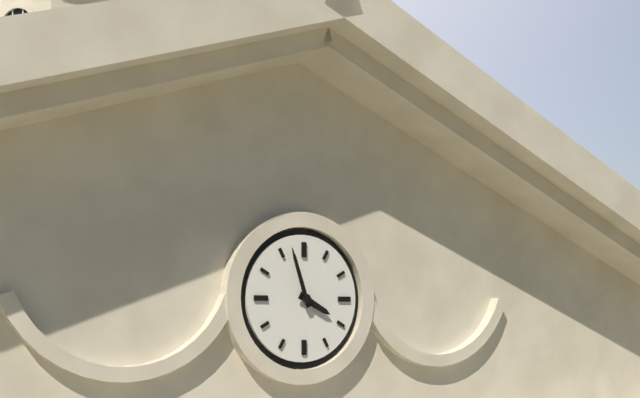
3 h 57 min
